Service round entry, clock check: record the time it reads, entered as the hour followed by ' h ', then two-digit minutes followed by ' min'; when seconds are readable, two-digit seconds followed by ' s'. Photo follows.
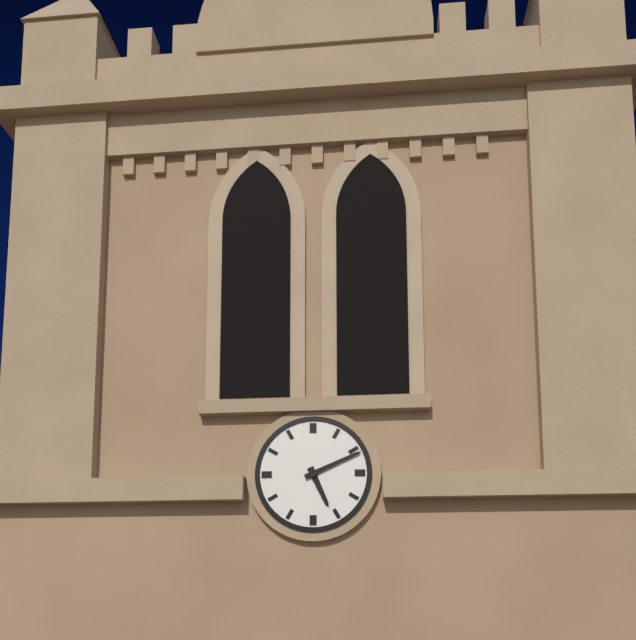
5 h 11 min
